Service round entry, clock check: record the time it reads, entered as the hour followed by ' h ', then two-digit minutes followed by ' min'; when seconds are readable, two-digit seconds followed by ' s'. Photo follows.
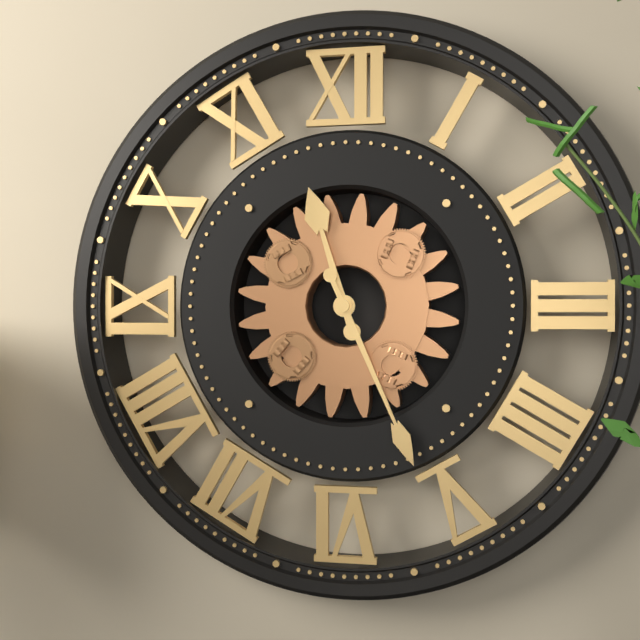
11 h 26 min
